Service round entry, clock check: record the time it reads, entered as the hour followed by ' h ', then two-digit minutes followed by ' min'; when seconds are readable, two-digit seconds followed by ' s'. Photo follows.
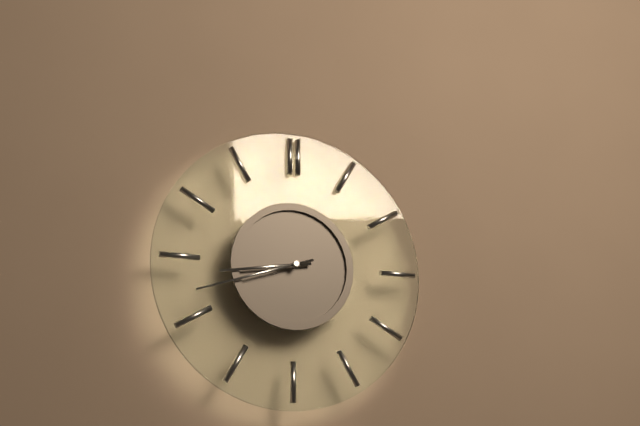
8 h 42 min
